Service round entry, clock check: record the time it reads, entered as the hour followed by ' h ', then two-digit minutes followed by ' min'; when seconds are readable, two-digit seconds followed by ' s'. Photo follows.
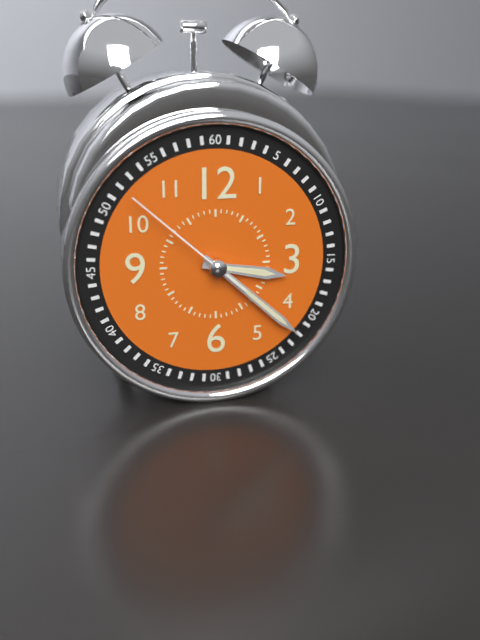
3 h 22 min 52 s
